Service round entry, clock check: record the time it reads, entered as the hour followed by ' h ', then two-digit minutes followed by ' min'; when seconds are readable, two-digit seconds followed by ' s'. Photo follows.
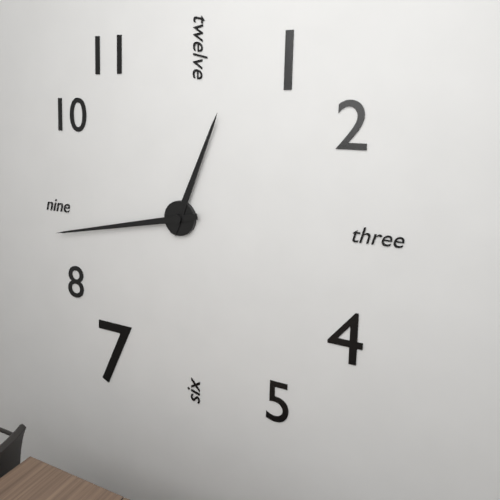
12 h 43 min
